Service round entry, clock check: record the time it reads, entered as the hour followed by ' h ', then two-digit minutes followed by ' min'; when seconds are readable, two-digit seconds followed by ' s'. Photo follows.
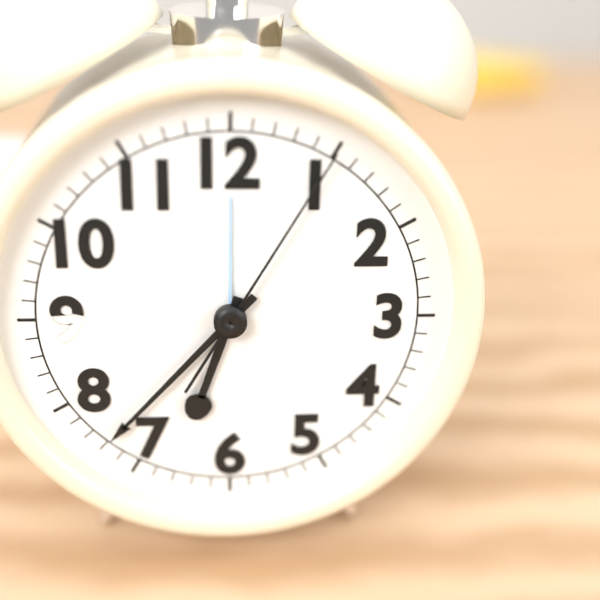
6 h 37 min 05 s
